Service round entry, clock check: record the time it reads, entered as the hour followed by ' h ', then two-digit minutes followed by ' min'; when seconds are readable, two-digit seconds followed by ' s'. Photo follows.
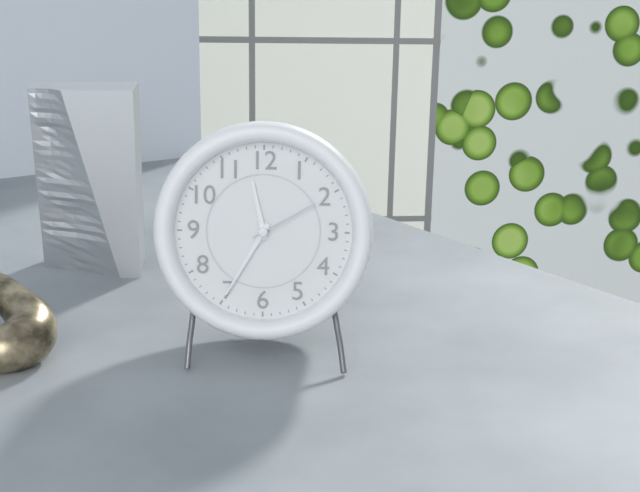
11 h 35 min 10 s
